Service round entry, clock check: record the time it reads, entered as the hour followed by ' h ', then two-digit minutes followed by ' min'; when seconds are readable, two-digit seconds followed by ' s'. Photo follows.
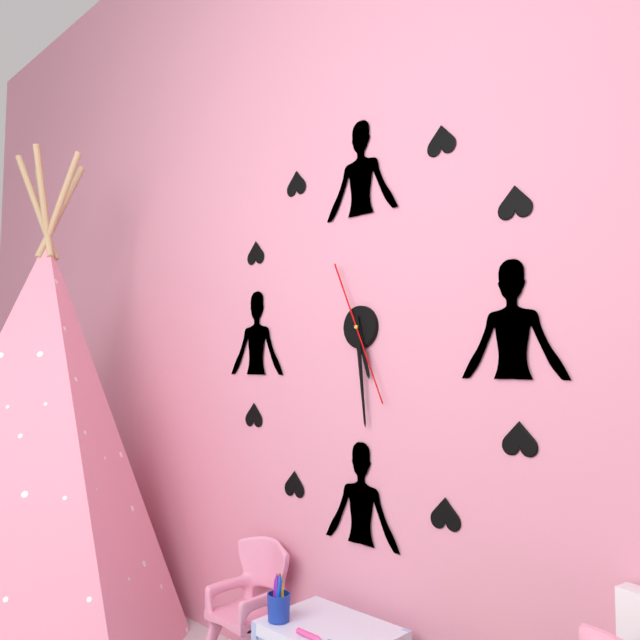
5 h 29 min 26 s
